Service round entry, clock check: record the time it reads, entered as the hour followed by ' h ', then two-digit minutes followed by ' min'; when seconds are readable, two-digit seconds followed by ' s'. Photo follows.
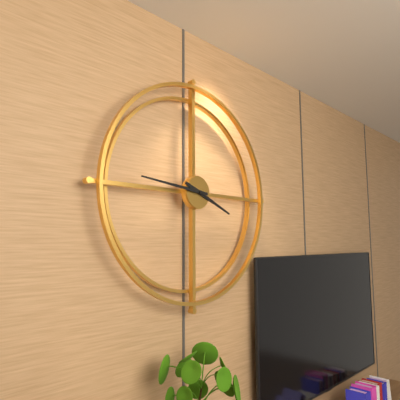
3 h 46 min
